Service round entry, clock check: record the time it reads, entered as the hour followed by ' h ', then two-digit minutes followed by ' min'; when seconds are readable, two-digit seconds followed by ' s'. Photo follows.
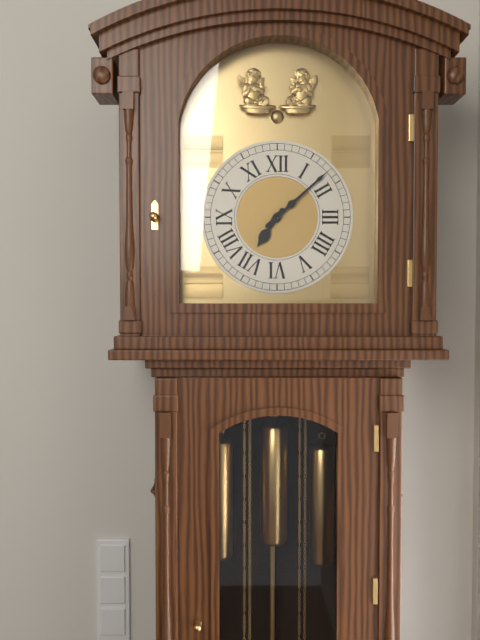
7 h 08 min
